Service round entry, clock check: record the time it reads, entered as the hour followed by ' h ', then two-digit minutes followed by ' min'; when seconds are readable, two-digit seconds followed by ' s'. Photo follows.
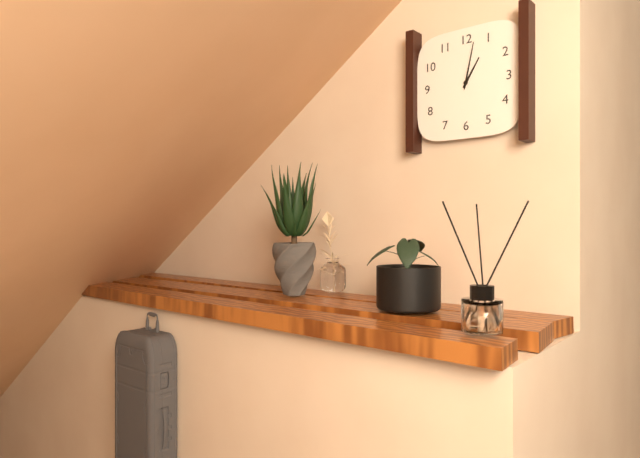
1 h 02 min
